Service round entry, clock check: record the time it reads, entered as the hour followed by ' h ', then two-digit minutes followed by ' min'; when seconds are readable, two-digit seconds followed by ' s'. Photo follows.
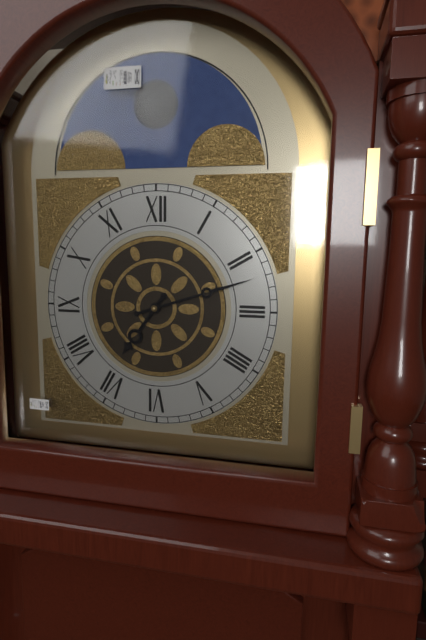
7 h 12 min
